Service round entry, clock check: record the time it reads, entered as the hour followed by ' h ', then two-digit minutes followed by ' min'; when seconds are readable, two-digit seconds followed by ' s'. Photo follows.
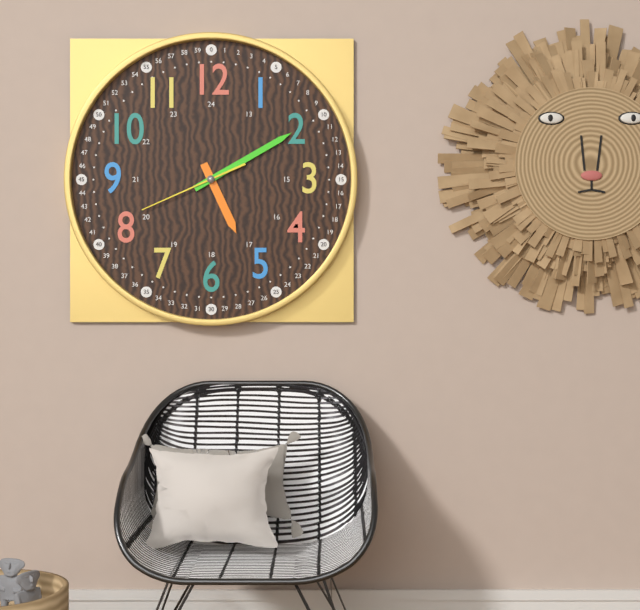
5 h 10 min 41 s
